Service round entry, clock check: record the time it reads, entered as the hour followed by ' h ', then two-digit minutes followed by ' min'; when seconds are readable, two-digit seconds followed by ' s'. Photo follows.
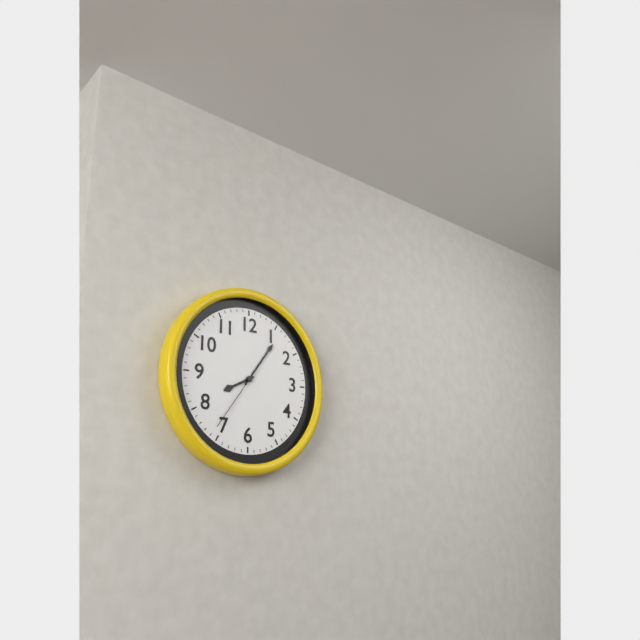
8 h 06 min 36 s
